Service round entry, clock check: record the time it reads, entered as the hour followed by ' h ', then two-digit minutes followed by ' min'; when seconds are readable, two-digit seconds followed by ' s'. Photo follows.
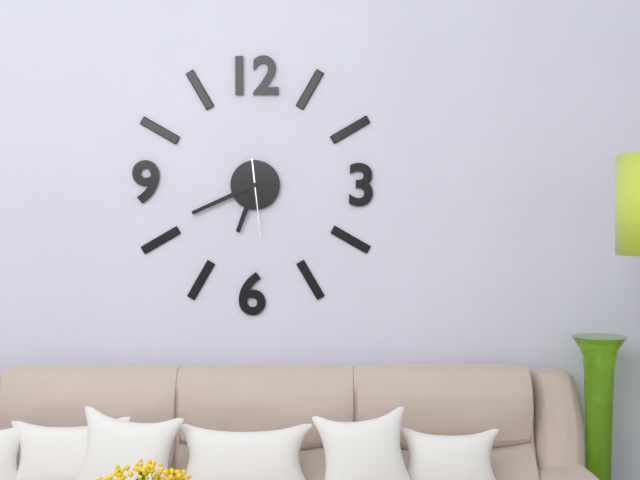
6 h 41 min 29 s
